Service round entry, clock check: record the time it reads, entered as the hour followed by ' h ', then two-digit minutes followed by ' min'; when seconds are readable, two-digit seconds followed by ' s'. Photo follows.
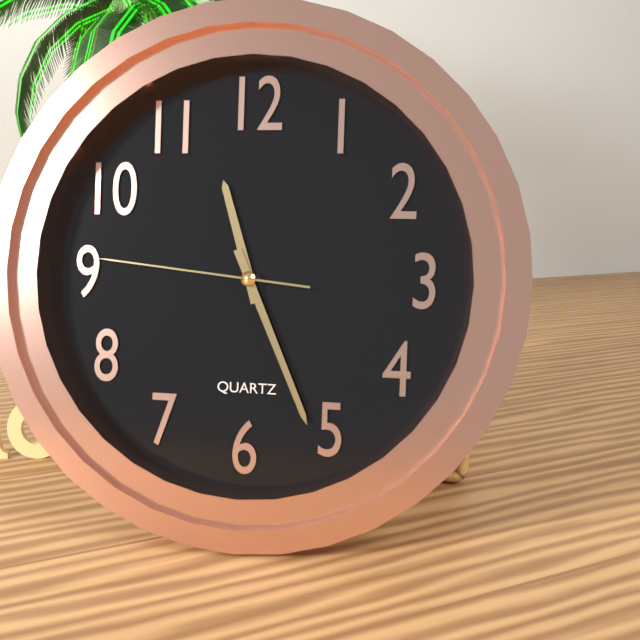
11 h 26 min 46 s
